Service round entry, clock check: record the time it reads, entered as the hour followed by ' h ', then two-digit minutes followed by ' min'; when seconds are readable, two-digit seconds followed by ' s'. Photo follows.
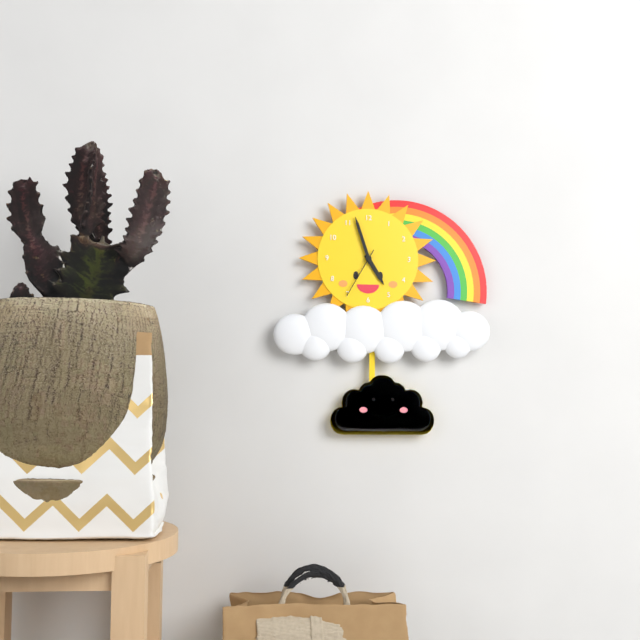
4 h 57 min 35 s
